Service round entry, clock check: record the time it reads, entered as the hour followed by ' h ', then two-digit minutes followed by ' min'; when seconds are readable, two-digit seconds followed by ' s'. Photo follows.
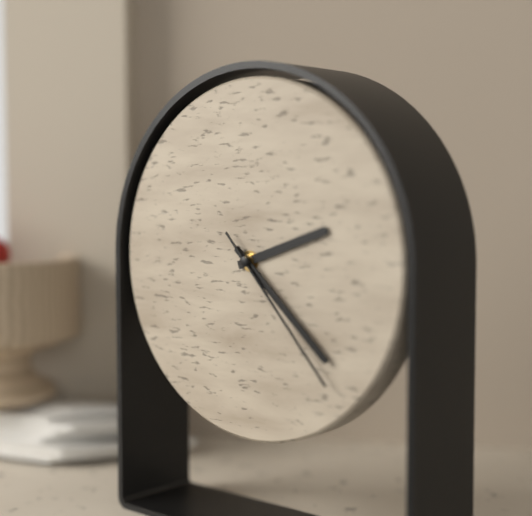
2 h 22 min 23 s
